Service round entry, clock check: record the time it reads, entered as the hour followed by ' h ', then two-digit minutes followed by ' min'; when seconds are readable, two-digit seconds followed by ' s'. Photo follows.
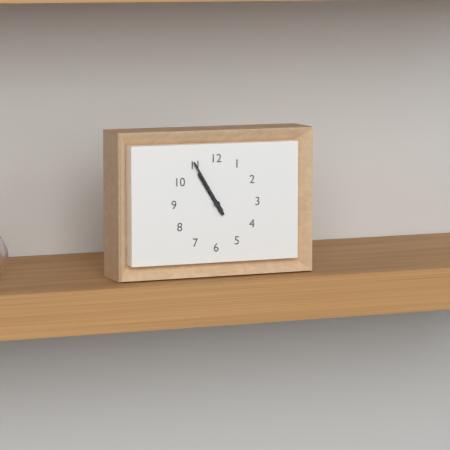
10 h 55 min
